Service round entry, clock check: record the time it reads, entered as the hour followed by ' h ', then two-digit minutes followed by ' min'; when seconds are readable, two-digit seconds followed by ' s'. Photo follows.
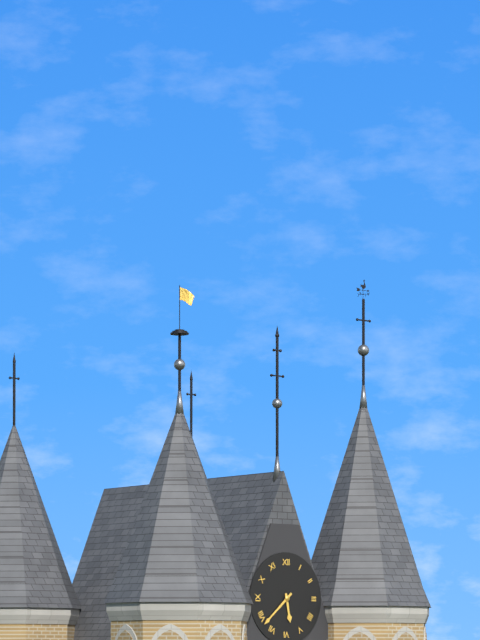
5 h 38 min
